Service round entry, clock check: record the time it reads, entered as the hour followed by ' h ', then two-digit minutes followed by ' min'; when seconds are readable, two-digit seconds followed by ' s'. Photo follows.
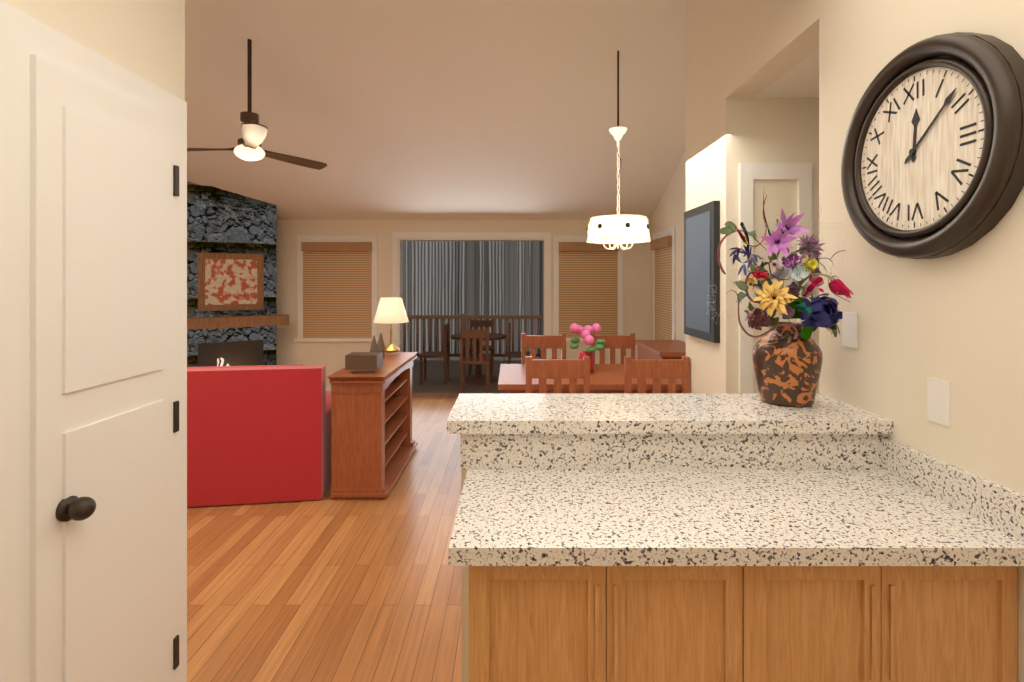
12 h 08 min
